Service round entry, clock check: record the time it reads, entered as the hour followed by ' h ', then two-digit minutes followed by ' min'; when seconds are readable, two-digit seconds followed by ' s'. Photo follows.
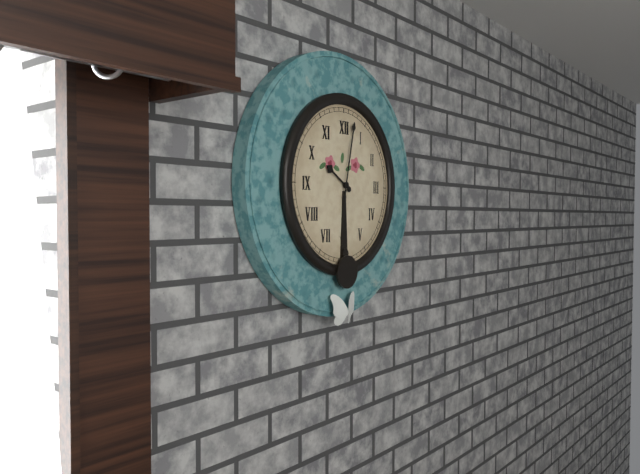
10 h 02 min
